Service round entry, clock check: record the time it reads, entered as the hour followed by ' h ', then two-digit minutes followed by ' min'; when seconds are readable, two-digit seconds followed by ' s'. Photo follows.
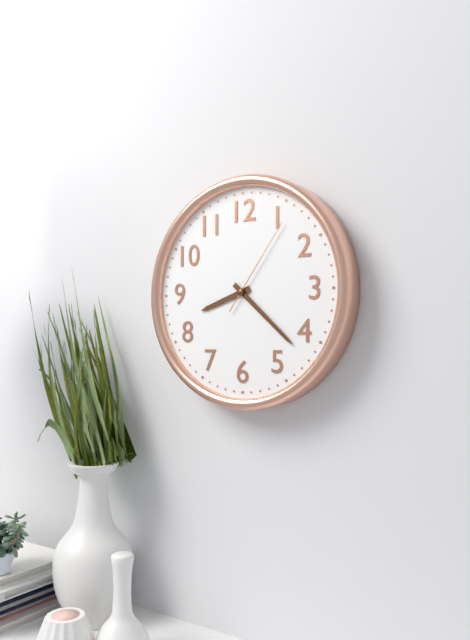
8 h 22 min 06 s
